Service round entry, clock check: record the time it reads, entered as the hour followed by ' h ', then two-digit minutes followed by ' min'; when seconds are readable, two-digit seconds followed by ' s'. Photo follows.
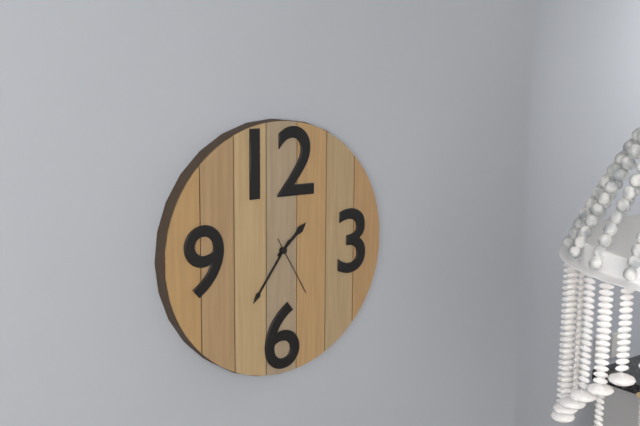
1 h 36 min 25 s
